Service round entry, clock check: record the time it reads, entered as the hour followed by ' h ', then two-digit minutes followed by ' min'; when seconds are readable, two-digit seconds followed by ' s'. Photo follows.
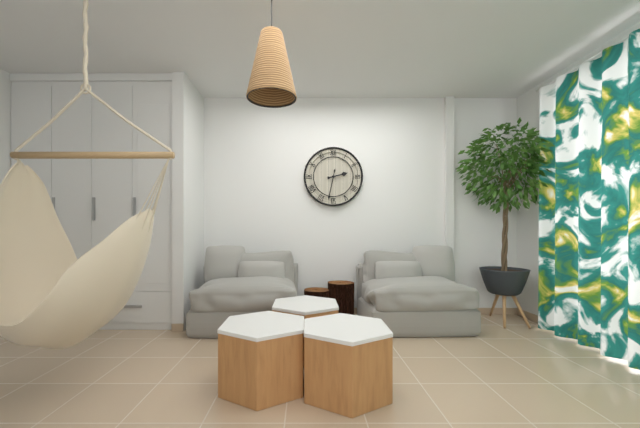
2 h 32 min
